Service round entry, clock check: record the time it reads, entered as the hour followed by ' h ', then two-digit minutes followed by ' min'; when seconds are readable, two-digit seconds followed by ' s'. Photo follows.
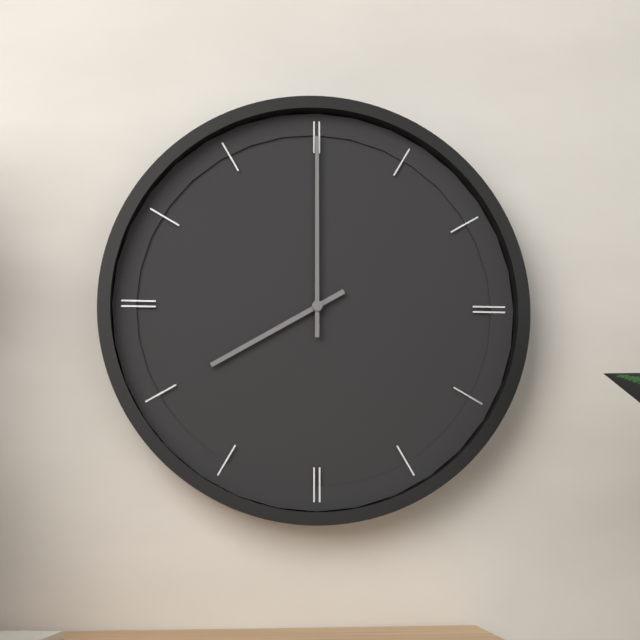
8 h 00 min
